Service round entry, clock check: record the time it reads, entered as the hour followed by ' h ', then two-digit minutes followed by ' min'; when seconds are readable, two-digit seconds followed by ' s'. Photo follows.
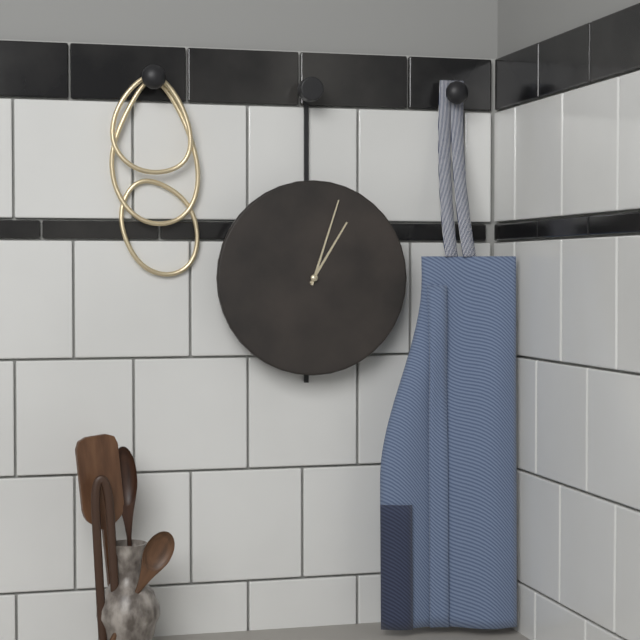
1 h 03 min
